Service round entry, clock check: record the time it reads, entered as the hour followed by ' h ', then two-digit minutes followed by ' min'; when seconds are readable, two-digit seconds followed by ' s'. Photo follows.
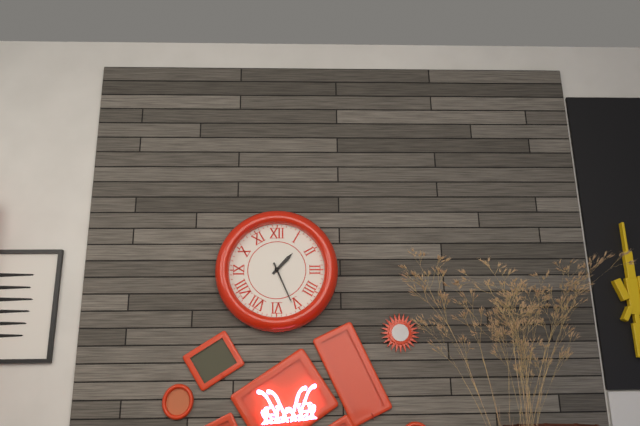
1 h 26 min
